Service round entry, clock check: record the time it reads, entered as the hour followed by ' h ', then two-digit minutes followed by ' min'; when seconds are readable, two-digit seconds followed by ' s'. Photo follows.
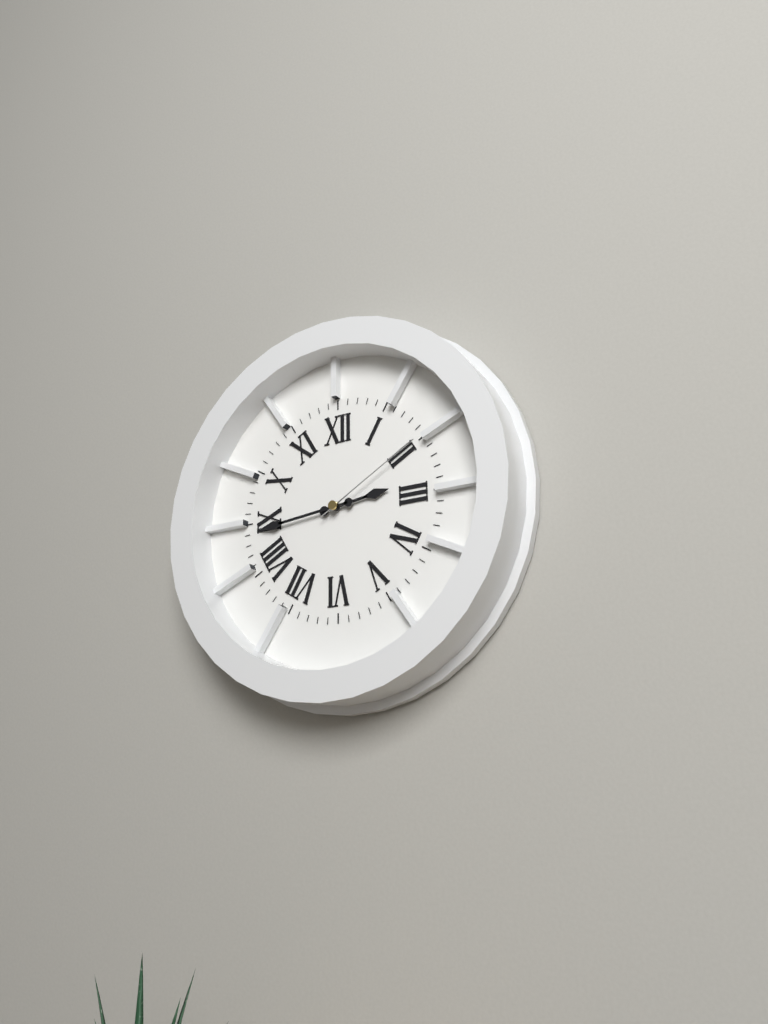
2 h 44 min 10 s
